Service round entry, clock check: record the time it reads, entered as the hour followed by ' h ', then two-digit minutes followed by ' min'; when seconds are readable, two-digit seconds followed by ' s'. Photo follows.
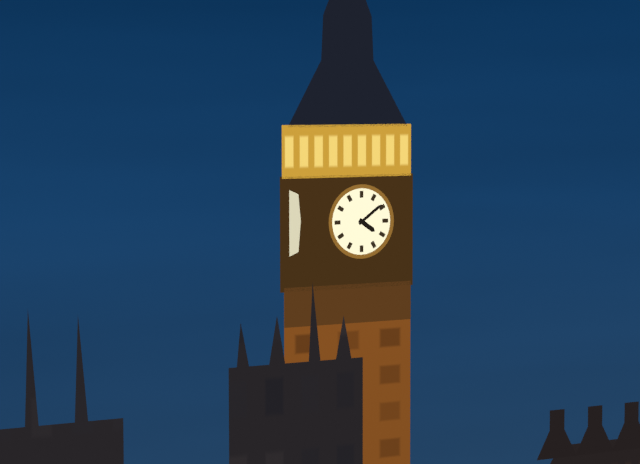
4 h 09 min
